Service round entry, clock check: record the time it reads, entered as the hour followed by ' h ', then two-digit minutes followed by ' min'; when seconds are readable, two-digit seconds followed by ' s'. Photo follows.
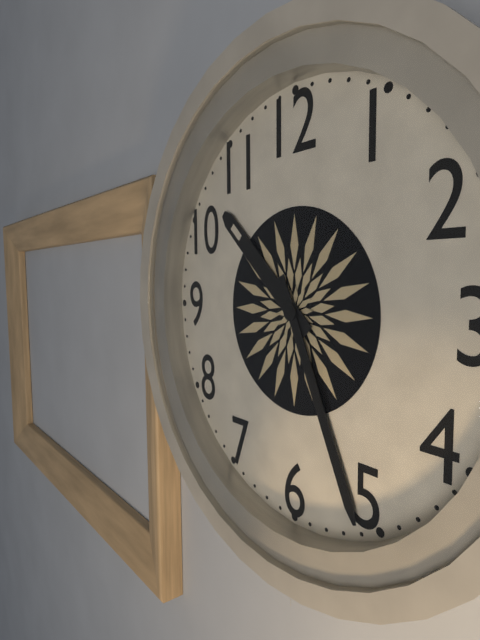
10 h 26 min
